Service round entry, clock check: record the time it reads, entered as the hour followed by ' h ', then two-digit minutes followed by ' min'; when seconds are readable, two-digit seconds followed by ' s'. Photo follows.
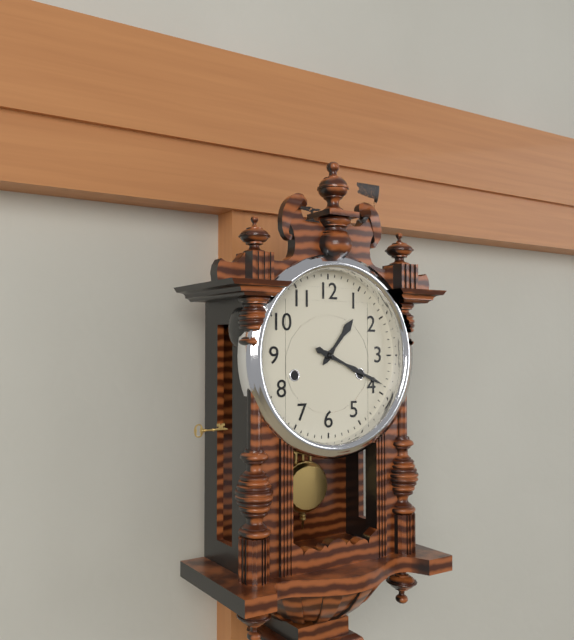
1 h 19 min
